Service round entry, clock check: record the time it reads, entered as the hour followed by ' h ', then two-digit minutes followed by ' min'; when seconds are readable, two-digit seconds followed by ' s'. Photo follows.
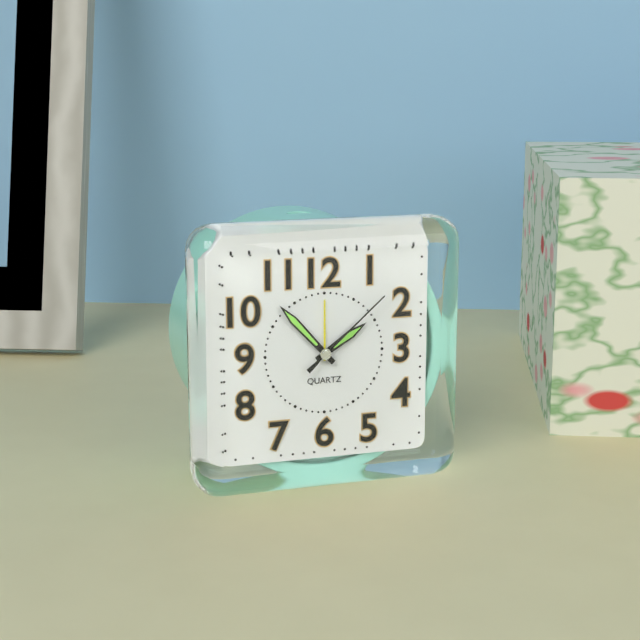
1 h 53 min 08 s
